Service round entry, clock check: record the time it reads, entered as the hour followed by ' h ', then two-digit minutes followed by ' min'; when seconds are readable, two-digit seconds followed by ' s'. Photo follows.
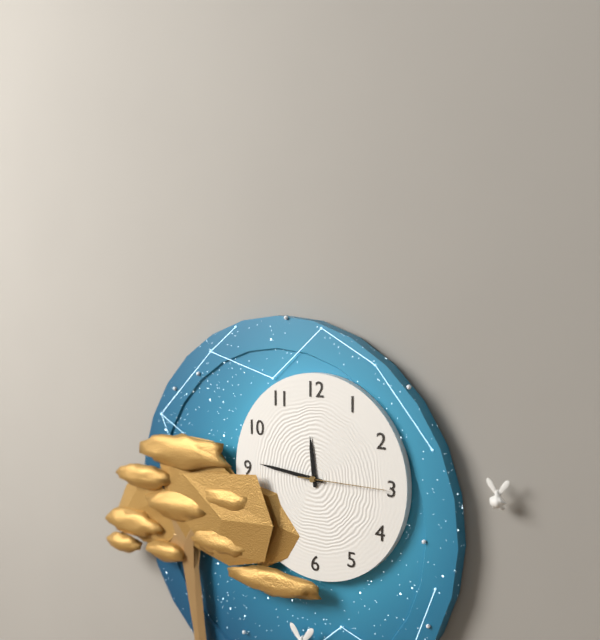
11 h 46 min 15 s
